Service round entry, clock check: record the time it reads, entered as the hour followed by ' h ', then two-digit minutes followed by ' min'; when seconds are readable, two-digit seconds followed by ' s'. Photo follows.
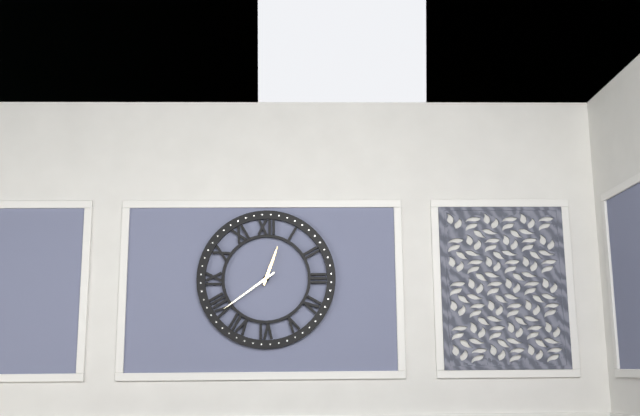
12 h 39 min
